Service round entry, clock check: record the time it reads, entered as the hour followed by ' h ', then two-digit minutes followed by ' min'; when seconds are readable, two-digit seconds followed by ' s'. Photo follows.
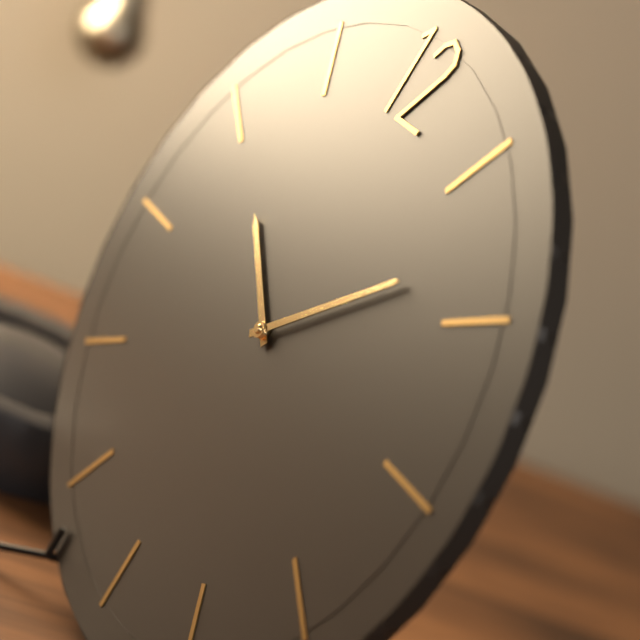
10 h 08 min
